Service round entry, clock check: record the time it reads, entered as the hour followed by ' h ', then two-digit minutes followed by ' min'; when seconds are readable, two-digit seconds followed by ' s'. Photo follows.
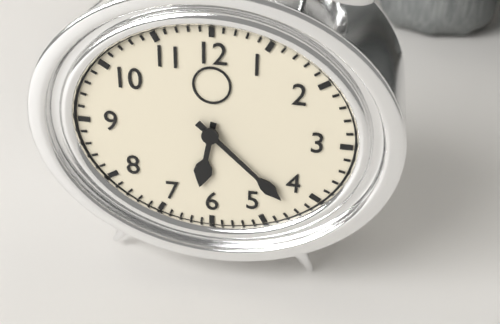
6 h 22 min
